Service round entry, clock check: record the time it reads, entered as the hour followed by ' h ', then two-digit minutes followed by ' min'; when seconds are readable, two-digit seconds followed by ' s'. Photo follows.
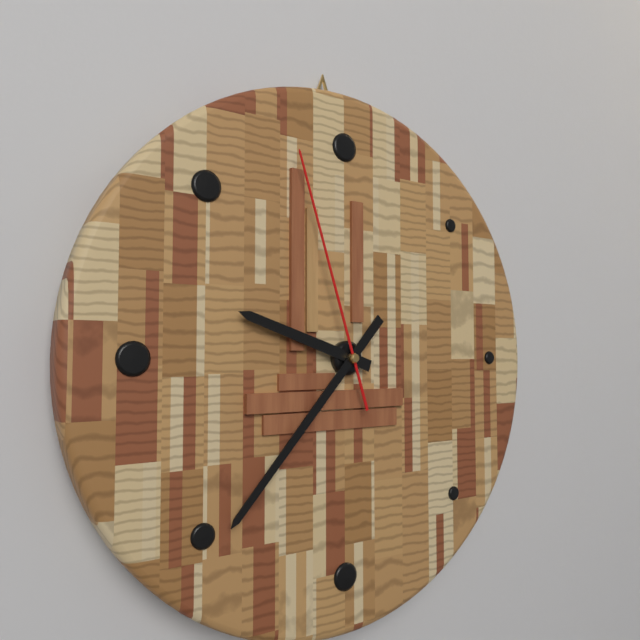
9 h 37 min 57 s
